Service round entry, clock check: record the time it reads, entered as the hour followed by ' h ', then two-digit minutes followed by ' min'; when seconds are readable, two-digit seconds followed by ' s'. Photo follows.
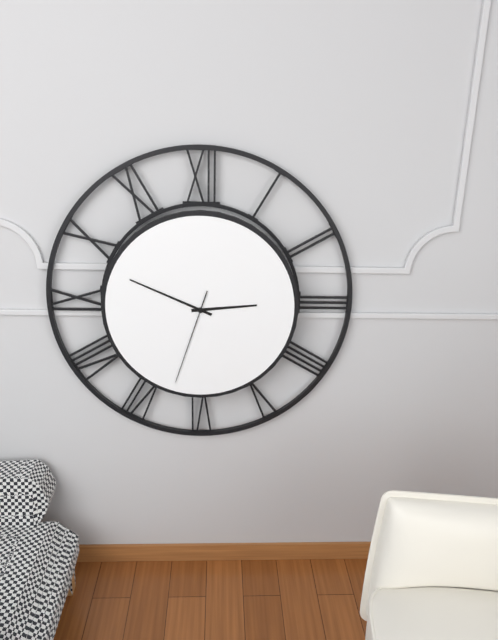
2 h 49 min 33 s
